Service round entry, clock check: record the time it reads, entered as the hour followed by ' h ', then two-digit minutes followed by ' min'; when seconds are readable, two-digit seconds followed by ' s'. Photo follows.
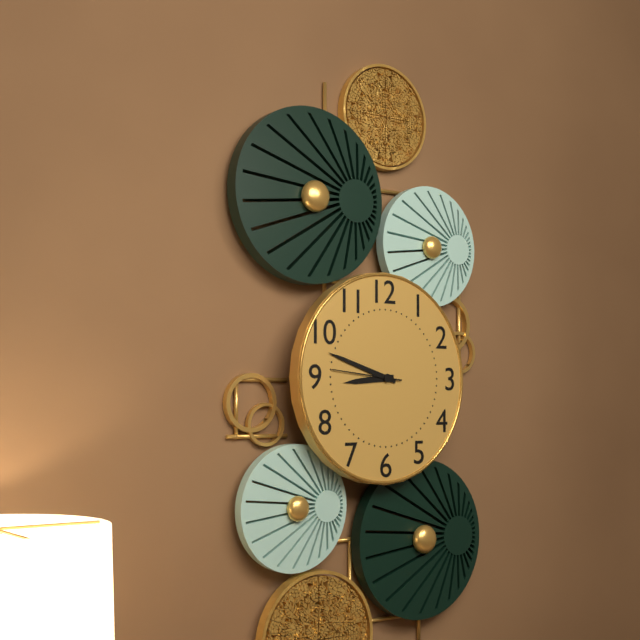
8 h 48 min 46 s
